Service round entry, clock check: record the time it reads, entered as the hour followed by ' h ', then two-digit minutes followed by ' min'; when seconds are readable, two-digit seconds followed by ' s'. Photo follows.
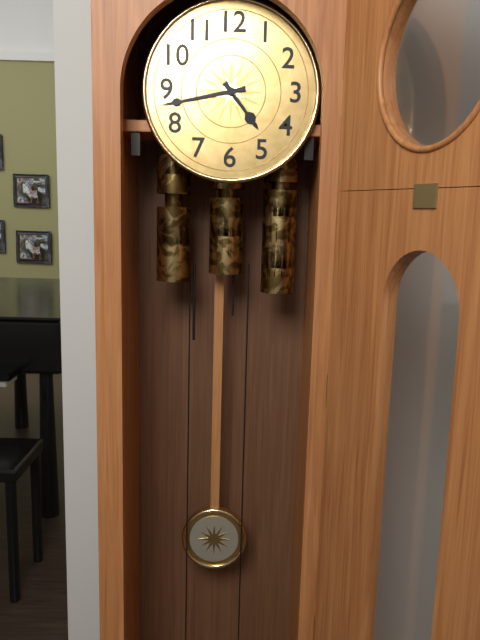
4 h 43 min
